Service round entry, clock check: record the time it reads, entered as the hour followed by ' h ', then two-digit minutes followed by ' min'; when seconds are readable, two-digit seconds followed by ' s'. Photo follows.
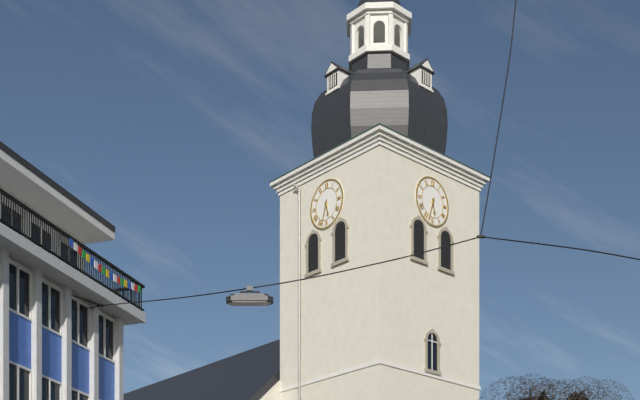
5 h 33 min
